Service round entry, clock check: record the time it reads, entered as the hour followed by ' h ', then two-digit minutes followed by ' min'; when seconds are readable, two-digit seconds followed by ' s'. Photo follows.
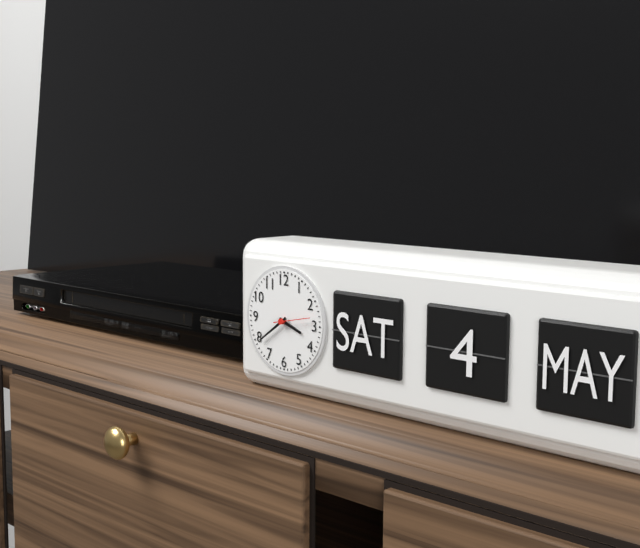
3 h 39 min
